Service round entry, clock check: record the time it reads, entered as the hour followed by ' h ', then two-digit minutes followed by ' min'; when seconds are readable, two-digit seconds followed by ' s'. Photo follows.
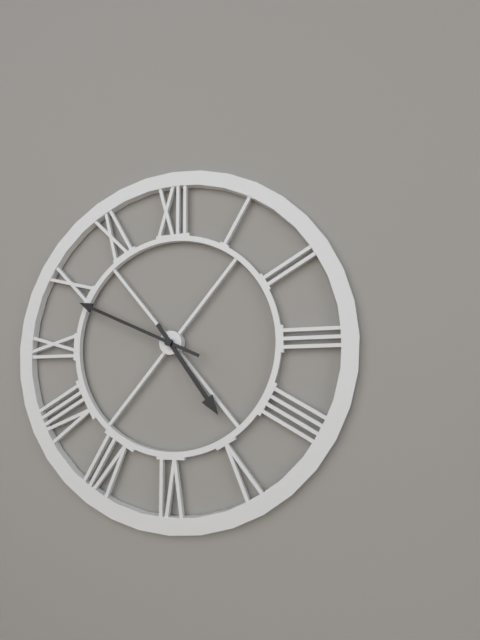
4 h 49 min
